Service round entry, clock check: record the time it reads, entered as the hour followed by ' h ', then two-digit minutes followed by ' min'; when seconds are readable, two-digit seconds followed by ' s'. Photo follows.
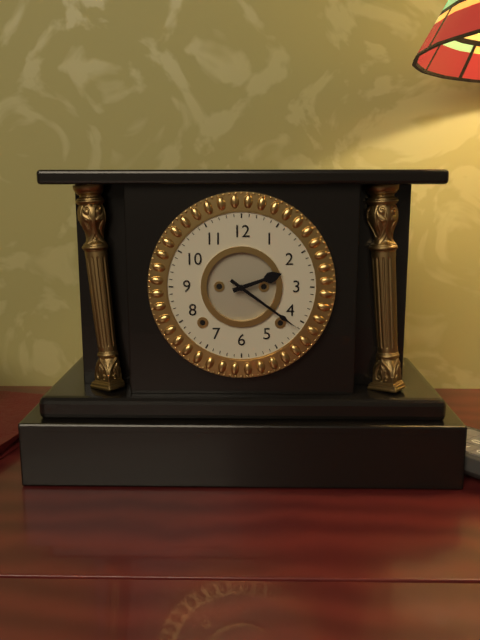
2 h 21 min
